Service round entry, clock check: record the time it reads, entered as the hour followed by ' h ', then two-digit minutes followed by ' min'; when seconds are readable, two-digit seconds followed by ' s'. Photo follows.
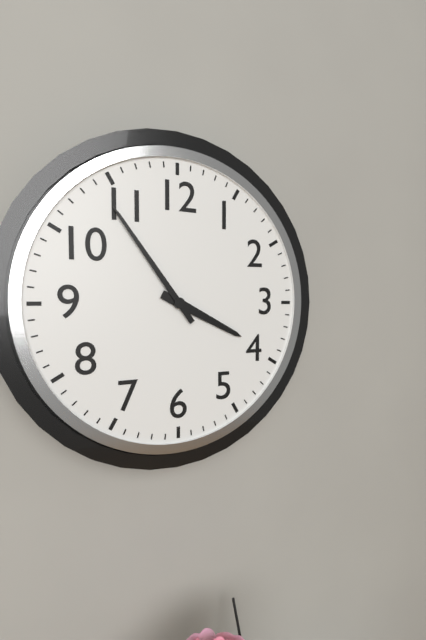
3 h 54 min
